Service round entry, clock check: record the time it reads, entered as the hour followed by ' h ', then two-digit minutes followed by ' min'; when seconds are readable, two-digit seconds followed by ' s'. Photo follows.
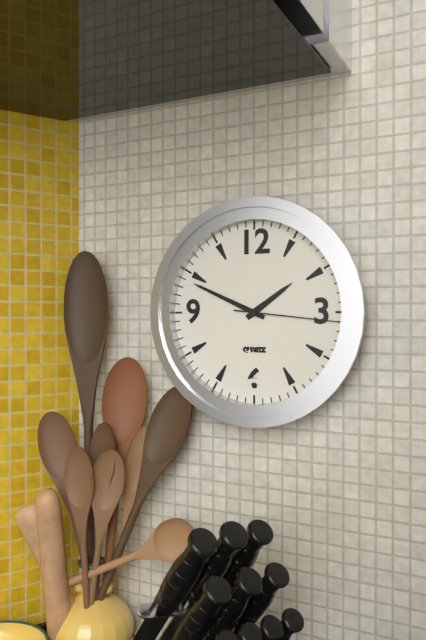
1 h 49 min 16 s
